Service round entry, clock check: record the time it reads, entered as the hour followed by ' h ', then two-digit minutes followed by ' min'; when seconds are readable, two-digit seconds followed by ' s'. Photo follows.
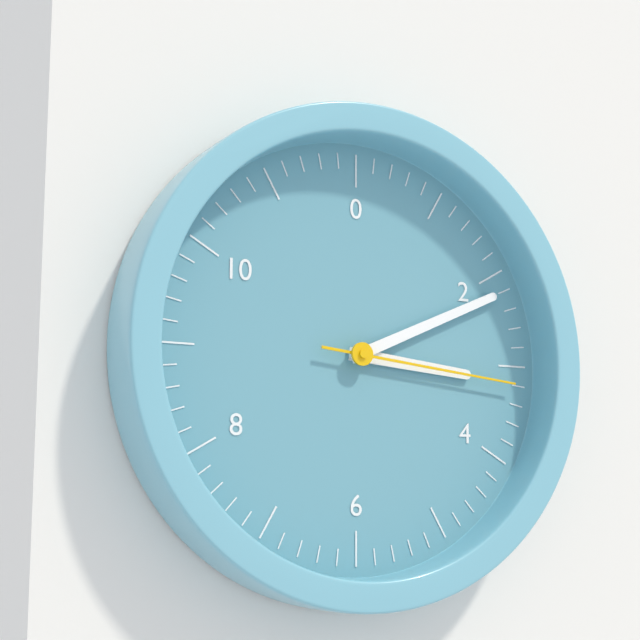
3 h 11 min 16 s
